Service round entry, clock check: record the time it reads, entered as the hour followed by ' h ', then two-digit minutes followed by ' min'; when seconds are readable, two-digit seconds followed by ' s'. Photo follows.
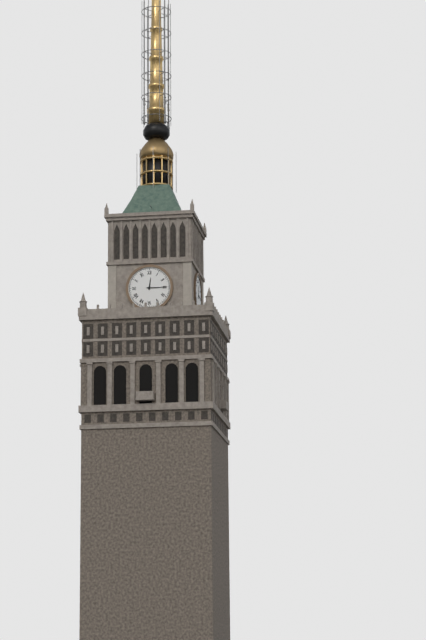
12 h 15 min
